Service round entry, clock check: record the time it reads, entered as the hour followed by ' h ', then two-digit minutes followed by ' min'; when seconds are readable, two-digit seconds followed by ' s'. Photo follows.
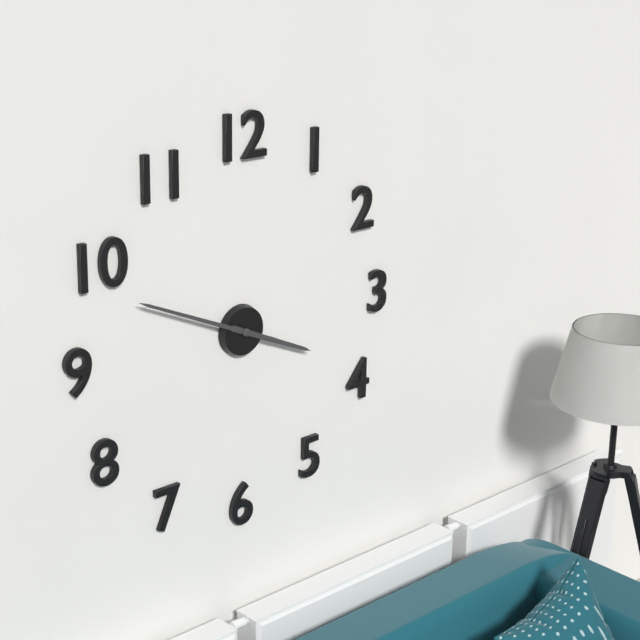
3 h 49 min
